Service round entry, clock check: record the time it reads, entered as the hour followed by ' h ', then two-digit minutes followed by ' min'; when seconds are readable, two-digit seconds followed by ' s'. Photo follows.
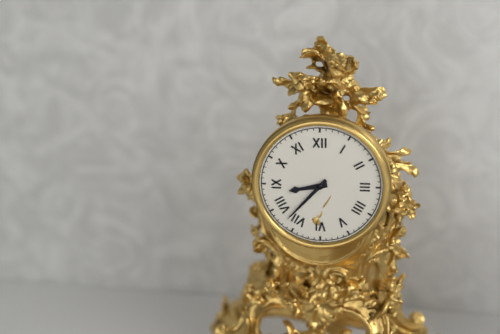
8 h 37 min
